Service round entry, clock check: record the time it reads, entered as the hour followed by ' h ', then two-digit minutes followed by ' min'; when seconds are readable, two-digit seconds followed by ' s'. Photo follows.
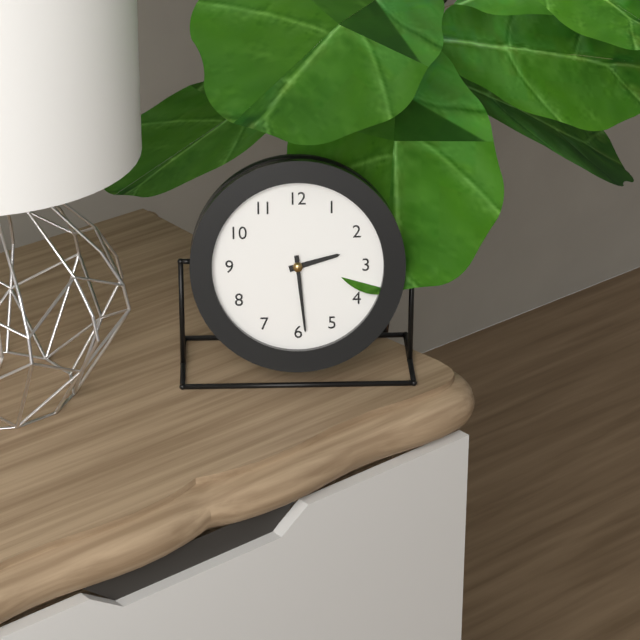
2 h 29 min
